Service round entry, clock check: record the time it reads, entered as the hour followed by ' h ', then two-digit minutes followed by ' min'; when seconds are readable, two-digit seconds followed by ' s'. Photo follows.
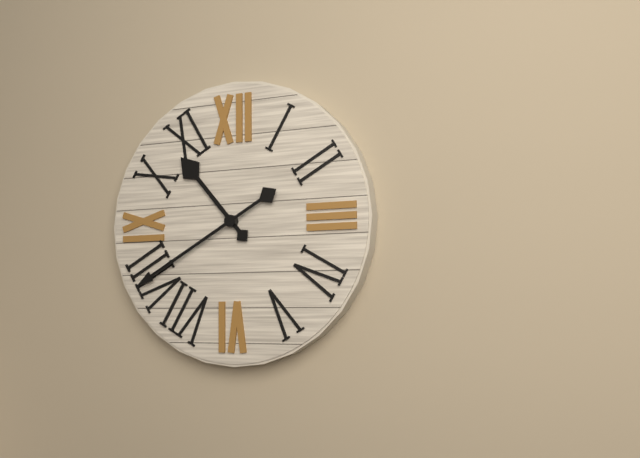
10 h 40 min
